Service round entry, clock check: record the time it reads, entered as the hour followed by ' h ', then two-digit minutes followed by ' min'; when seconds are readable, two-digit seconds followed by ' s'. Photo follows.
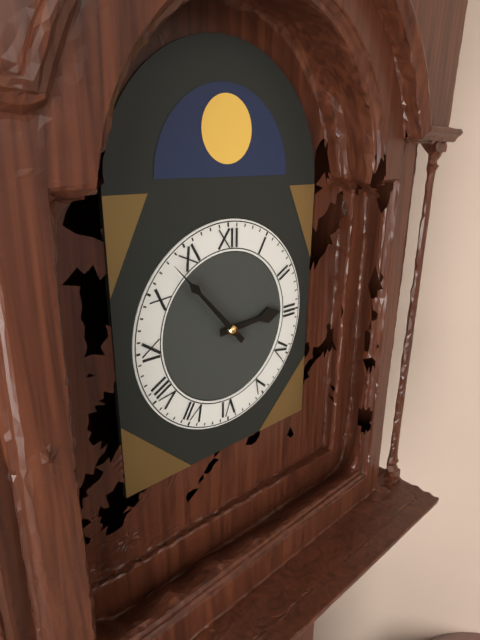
2 h 53 min
